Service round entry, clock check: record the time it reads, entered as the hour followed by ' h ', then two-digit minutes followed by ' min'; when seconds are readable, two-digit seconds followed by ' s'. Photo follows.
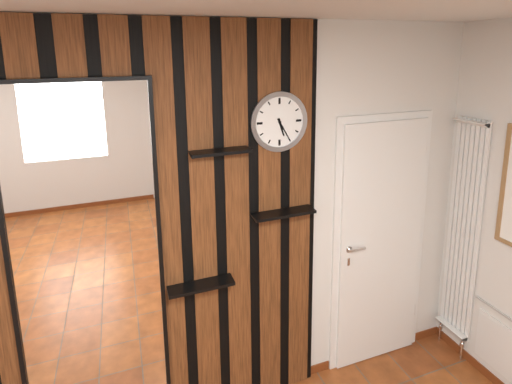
5 h 25 min
